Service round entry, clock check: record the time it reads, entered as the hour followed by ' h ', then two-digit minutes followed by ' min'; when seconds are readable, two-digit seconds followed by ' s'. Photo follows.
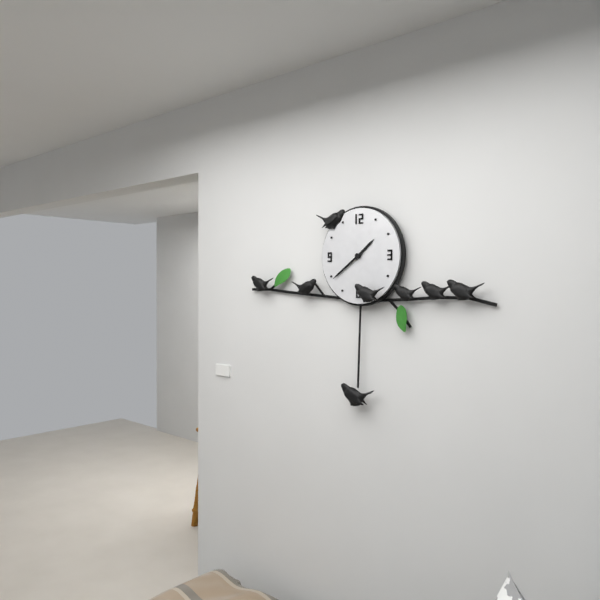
1 h 39 min
